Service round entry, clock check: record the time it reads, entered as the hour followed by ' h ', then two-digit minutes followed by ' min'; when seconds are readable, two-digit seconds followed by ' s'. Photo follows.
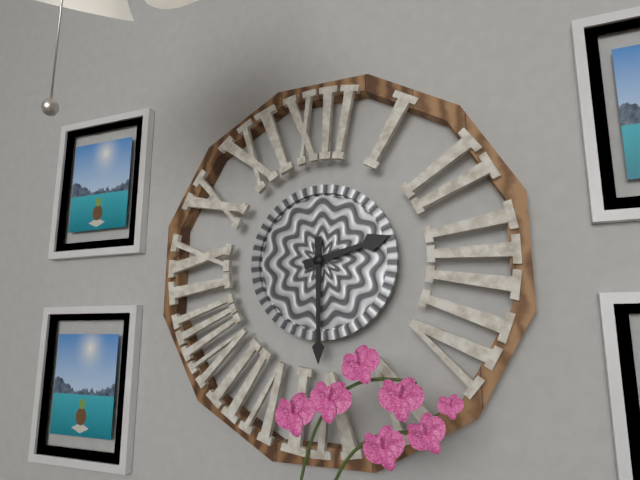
2 h 30 min
